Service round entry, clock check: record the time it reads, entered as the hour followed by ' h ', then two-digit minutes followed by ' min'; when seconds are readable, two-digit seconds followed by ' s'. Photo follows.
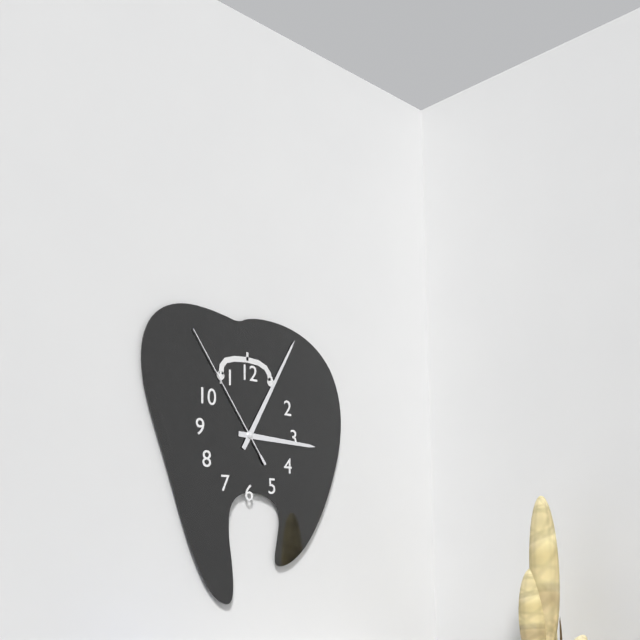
3 h 05 min 54 s
